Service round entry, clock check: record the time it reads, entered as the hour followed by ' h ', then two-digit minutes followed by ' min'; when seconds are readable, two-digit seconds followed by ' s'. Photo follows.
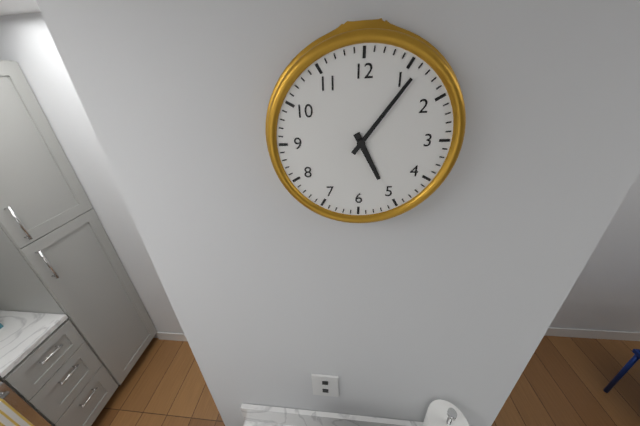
5 h 06 min
